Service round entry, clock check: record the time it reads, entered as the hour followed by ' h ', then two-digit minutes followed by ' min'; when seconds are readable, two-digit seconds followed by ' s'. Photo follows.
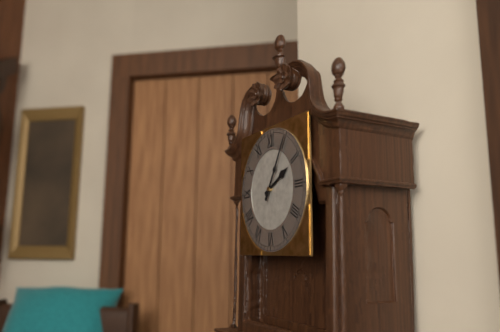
2 h 05 min
